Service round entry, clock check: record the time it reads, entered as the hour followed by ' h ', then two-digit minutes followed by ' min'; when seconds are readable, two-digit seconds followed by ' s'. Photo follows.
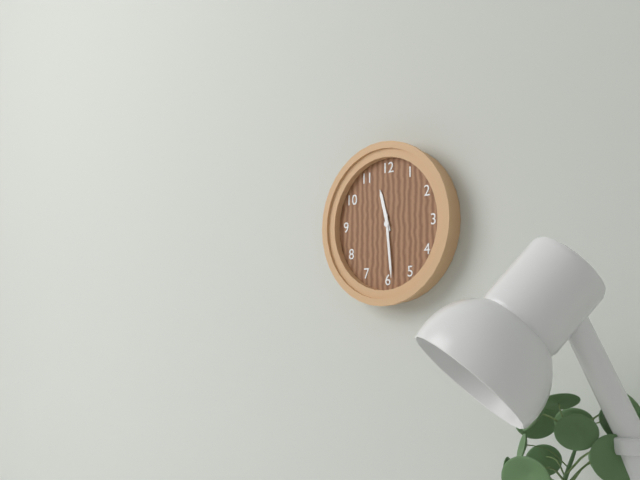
11 h 29 min
